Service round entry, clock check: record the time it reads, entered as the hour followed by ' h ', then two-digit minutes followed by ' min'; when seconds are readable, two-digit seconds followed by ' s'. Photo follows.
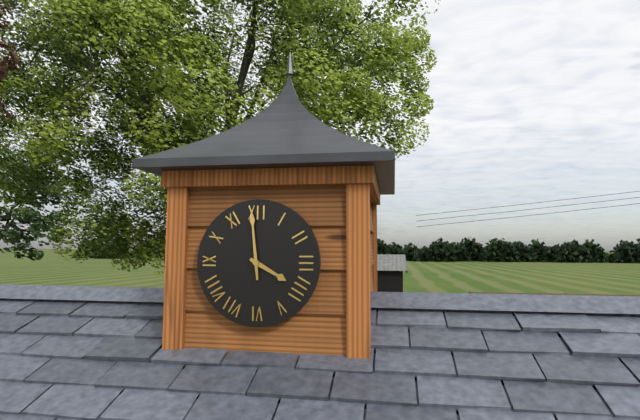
3 h 59 min
